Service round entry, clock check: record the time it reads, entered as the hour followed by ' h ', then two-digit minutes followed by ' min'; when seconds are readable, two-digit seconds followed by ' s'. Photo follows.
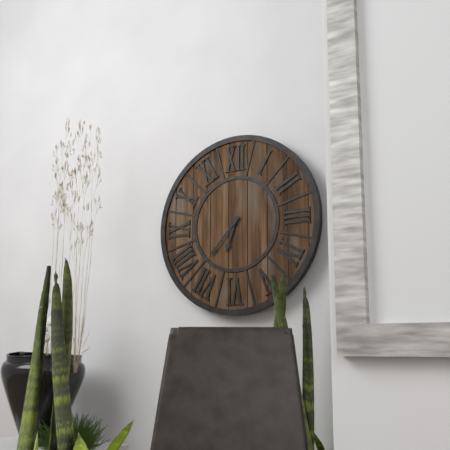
6 h 37 min
